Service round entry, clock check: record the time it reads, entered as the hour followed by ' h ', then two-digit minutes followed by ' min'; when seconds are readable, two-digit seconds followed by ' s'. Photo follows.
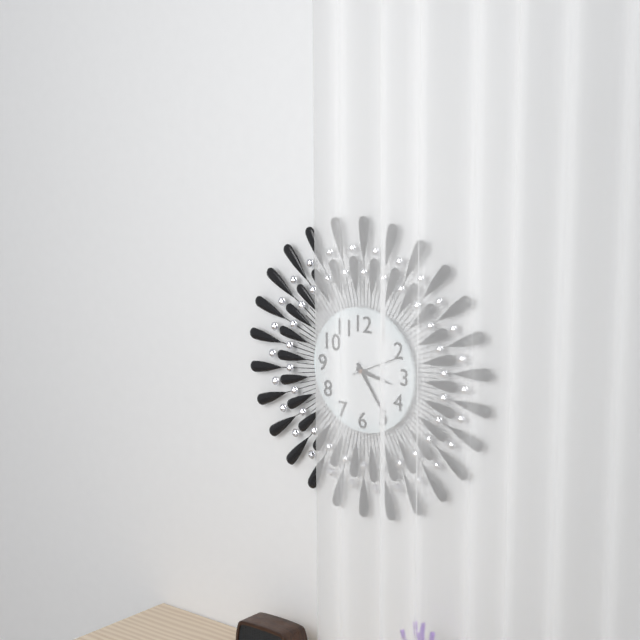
3 h 24 min
